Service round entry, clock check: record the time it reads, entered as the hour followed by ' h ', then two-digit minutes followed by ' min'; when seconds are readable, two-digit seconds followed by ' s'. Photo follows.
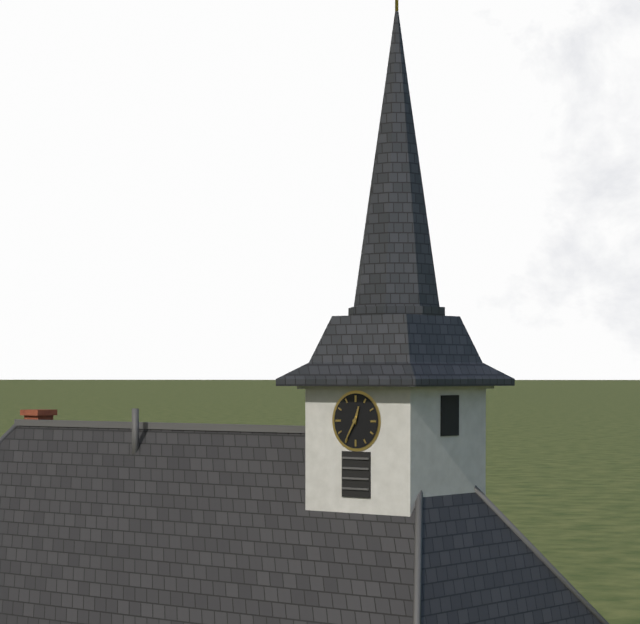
12 h 35 min
